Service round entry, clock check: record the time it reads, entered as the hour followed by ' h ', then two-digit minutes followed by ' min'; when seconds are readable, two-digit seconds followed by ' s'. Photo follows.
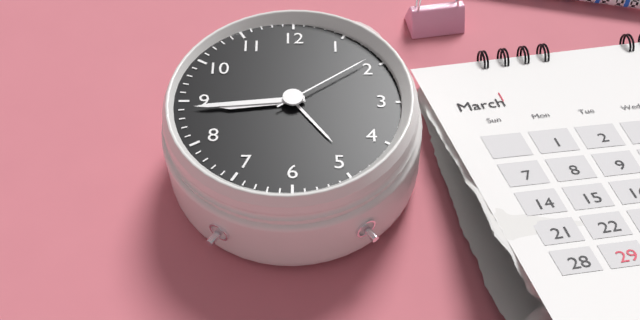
8 h 44 min 09 s
